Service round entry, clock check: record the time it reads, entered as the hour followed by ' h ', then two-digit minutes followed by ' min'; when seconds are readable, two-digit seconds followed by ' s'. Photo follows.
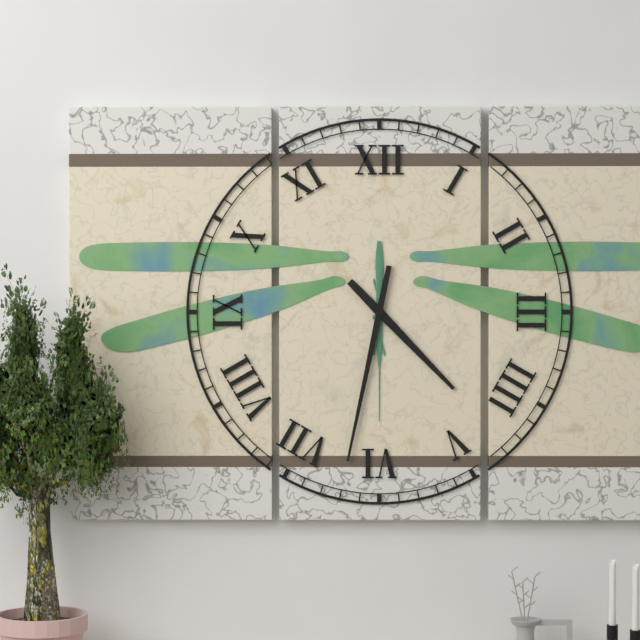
4 h 32 min
